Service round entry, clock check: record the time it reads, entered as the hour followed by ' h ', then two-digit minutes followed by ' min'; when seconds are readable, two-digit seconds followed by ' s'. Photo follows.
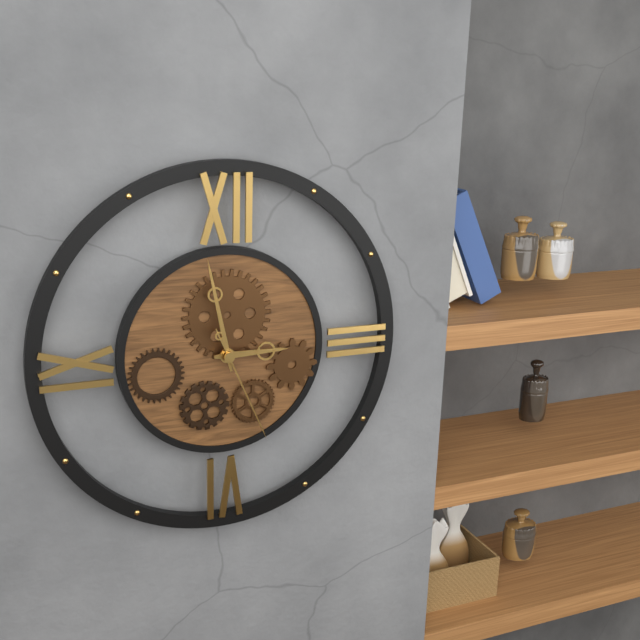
2 h 58 min 26 s
